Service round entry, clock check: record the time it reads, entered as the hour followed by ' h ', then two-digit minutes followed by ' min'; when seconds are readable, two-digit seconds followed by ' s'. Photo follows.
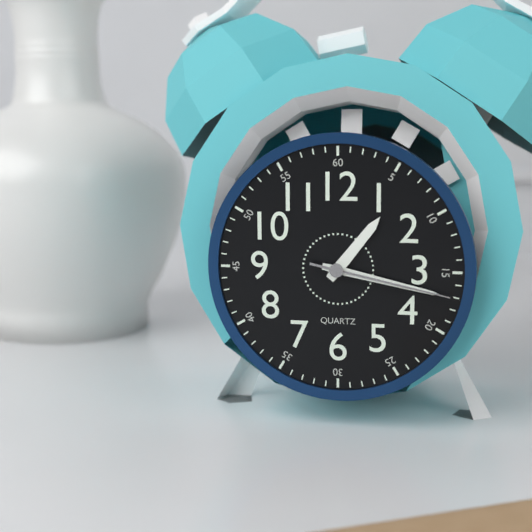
1 h 17 min 17 s
